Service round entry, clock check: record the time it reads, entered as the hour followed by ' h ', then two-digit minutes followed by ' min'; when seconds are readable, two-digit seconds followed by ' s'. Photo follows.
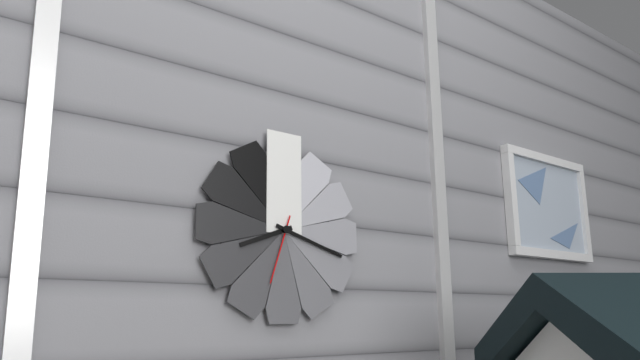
8 h 18 min 33 s
